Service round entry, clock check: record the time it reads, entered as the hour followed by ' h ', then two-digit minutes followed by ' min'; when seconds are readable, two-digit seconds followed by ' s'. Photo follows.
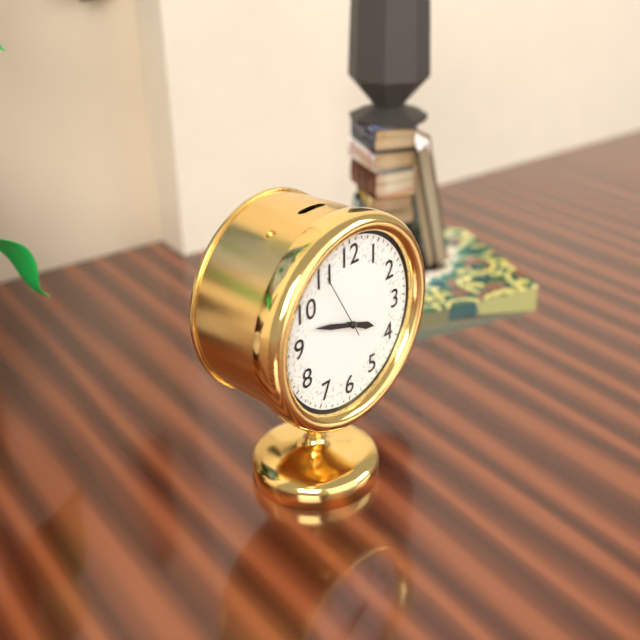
3 h 48 min 55 s
